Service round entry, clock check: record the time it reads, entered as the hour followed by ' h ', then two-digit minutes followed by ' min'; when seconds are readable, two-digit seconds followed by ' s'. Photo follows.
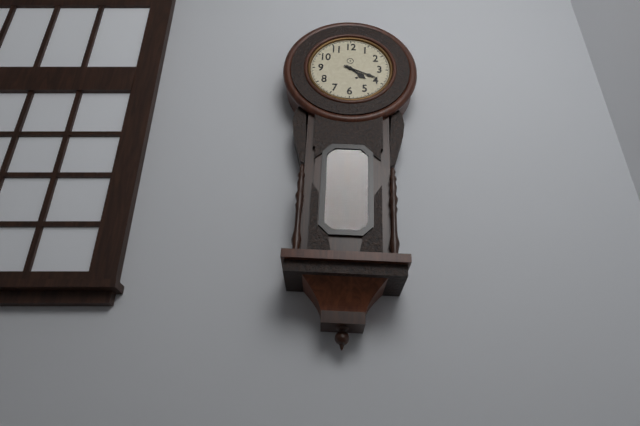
4 h 19 min
